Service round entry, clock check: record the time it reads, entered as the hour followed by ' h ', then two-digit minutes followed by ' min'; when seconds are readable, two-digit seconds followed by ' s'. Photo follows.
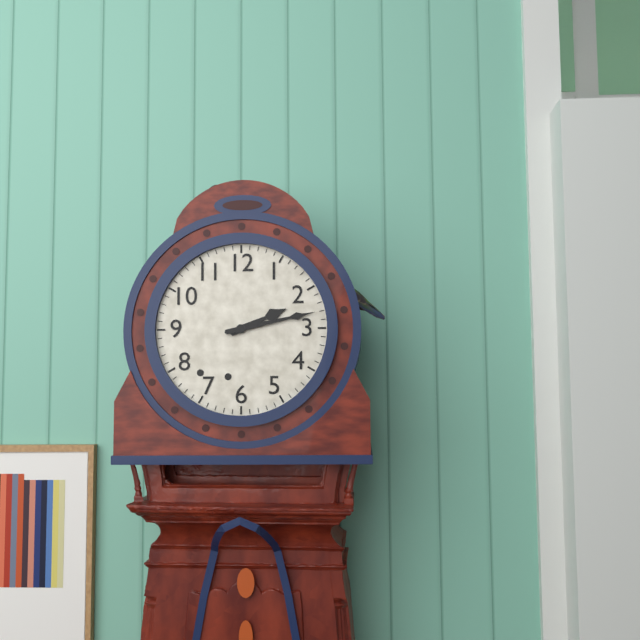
2 h 13 min
